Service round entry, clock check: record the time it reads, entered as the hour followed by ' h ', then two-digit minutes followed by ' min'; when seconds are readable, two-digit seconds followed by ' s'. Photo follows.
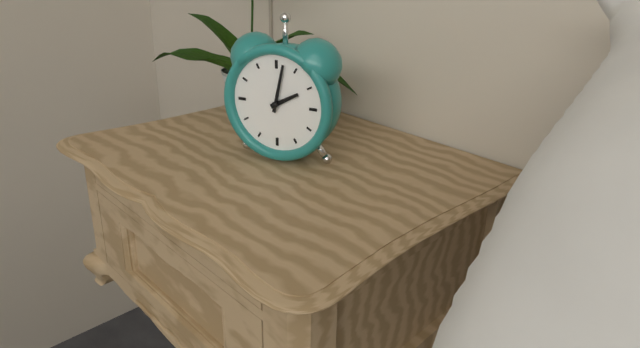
2 h 02 min
